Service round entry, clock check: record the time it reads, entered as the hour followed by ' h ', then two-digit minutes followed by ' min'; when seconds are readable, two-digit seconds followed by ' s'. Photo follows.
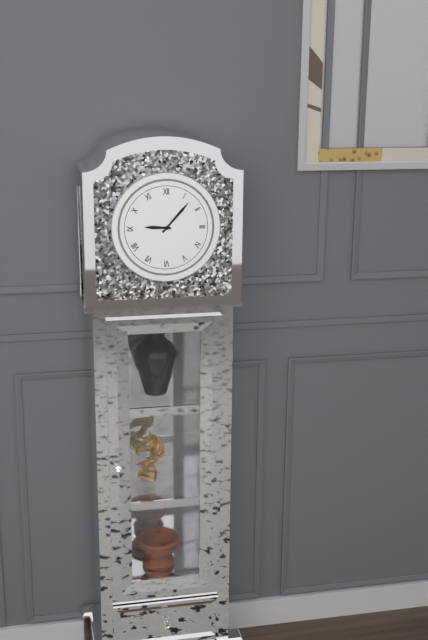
9 h 07 min
